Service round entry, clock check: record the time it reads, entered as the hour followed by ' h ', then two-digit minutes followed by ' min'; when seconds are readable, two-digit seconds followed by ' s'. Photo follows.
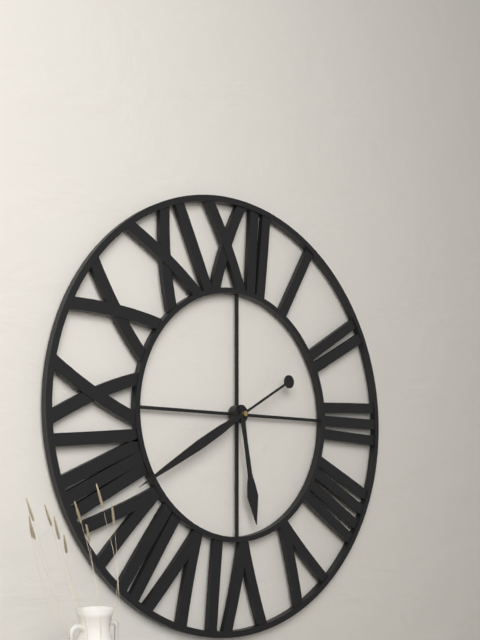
5 h 40 min
